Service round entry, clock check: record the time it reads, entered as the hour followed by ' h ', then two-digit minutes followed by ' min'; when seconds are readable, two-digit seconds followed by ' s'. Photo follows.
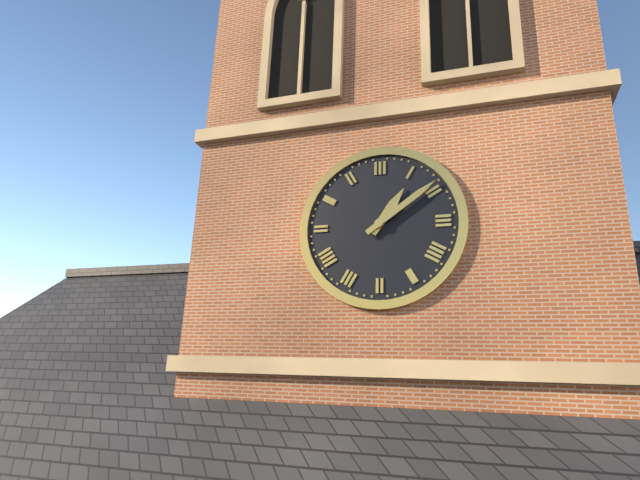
1 h 09 min
